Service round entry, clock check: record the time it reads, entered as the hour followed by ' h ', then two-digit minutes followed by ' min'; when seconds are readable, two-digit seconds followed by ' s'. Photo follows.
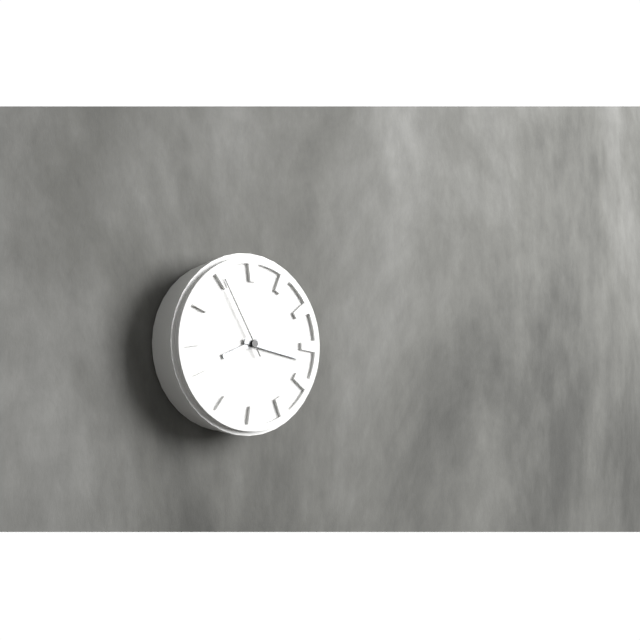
8 h 17 min 55 s
